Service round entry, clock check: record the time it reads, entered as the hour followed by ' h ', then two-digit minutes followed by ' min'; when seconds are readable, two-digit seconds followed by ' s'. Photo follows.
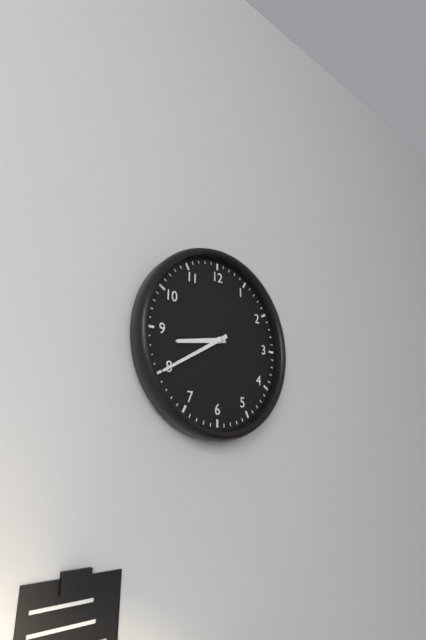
8 h 40 min
